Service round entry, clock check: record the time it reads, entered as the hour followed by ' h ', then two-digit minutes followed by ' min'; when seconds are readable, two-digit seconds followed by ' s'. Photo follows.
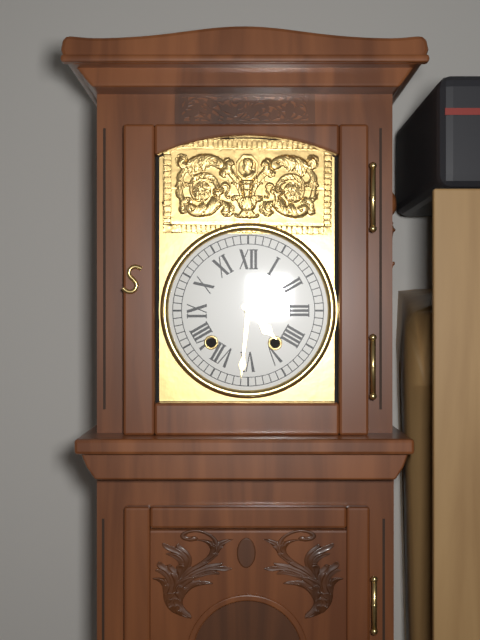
4 h 31 min
